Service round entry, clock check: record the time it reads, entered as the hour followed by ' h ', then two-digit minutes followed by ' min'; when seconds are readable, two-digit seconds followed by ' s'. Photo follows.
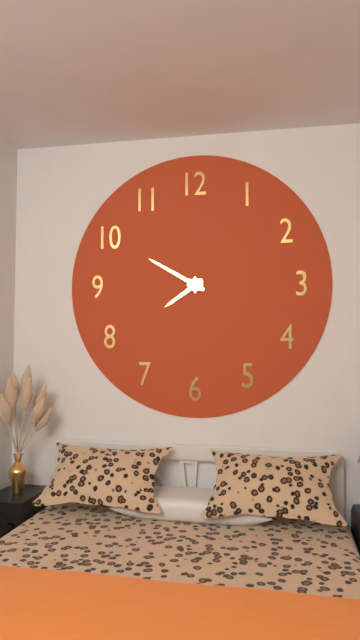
7 h 50 min
